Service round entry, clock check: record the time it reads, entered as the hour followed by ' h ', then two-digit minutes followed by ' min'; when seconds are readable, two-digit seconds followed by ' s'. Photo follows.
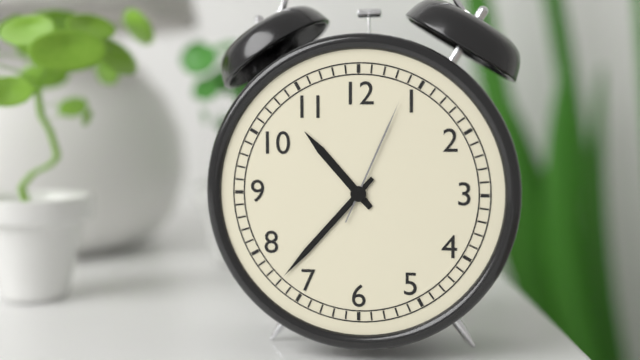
10 h 37 min 04 s
